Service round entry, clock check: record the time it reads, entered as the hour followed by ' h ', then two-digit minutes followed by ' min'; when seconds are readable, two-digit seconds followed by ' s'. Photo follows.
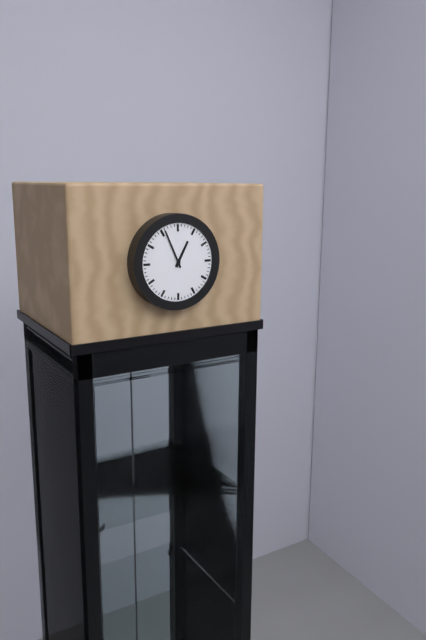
12 h 56 min
